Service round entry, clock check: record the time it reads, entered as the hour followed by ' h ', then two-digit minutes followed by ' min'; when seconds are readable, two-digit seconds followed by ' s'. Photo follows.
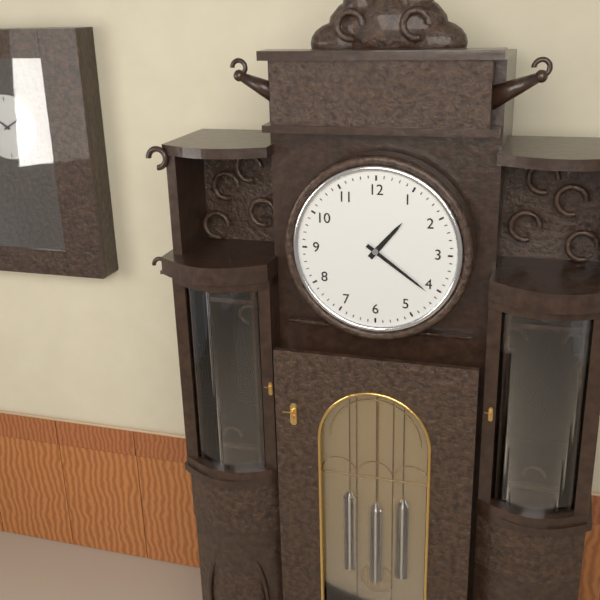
1 h 21 min
